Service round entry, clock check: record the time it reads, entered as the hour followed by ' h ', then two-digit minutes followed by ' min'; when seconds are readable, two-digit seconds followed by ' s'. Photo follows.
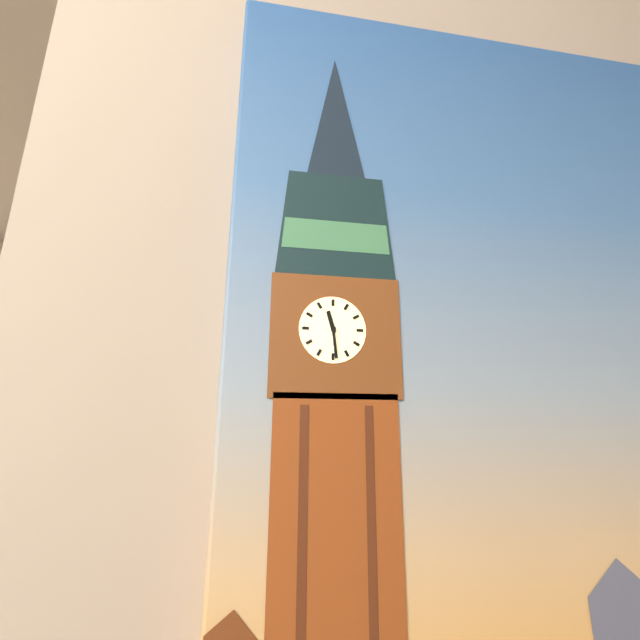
11 h 29 min
